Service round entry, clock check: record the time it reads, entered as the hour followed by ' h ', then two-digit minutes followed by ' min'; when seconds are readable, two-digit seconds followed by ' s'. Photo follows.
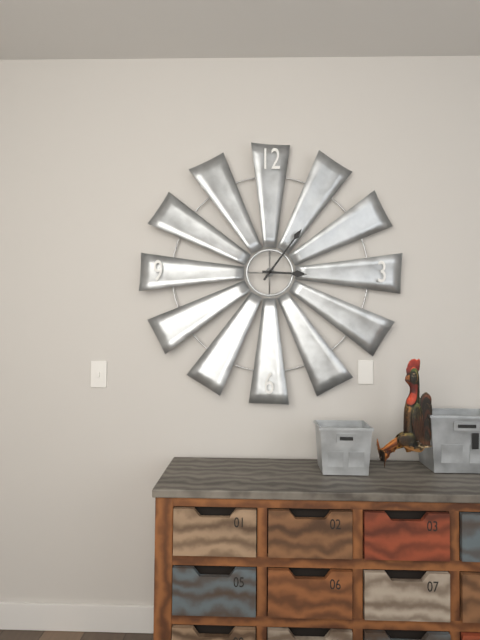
3 h 06 min
